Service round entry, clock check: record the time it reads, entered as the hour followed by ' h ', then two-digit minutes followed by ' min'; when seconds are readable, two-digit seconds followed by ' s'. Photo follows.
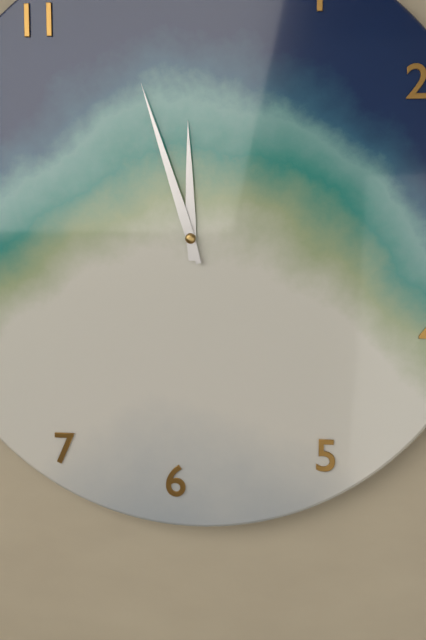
11 h 57 min
